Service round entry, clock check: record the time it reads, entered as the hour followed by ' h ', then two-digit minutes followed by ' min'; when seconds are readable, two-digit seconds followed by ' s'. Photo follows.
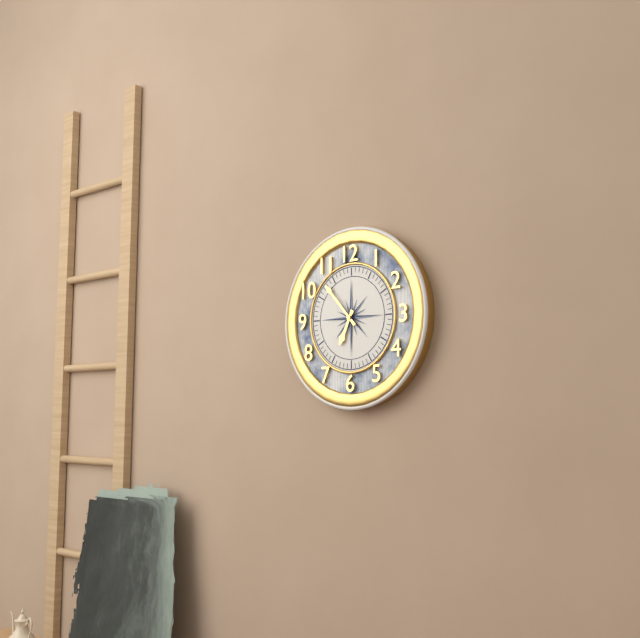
6 h 53 min
